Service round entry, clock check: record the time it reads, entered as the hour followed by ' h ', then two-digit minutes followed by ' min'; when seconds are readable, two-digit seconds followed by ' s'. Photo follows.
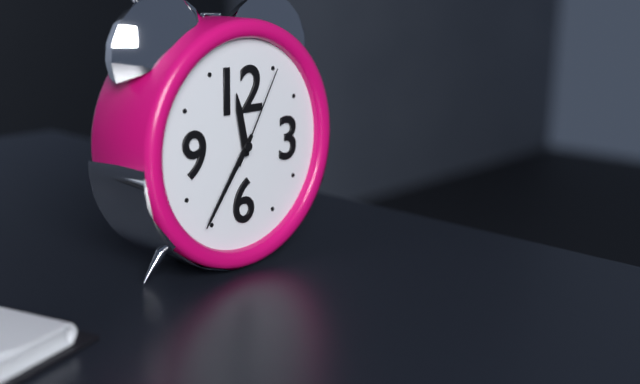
11 h 36 min 05 s
